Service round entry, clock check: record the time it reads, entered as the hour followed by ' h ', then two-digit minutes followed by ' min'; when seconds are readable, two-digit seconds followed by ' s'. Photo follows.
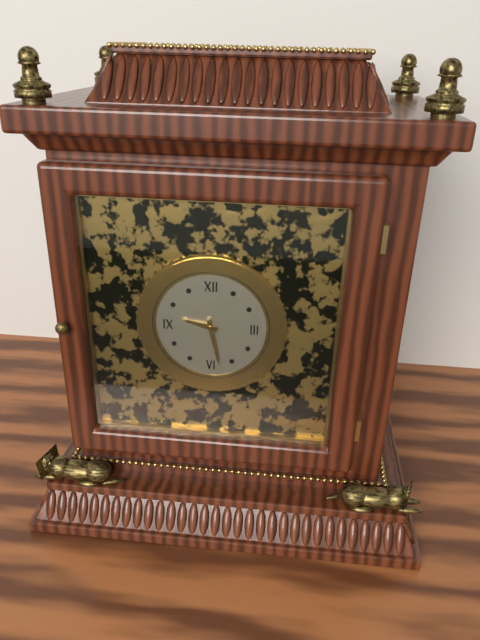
9 h 28 min
